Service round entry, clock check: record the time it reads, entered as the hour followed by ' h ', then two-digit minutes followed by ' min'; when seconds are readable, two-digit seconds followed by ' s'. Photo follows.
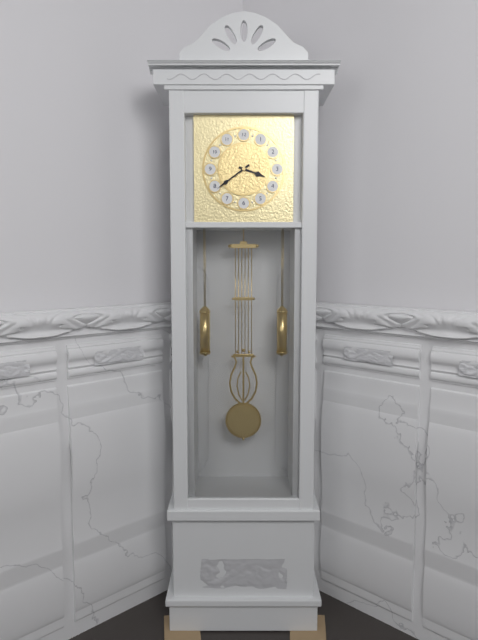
3 h 39 min
